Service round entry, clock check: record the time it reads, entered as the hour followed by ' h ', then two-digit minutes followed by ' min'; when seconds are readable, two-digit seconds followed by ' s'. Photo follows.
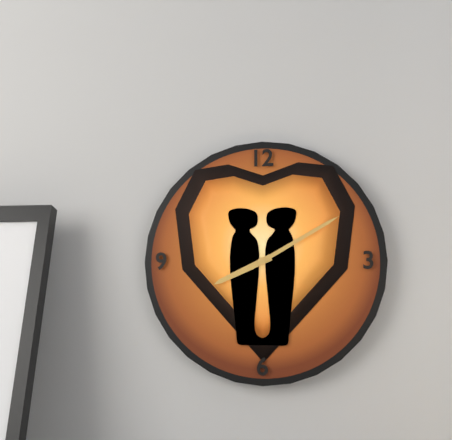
8 h 10 min
